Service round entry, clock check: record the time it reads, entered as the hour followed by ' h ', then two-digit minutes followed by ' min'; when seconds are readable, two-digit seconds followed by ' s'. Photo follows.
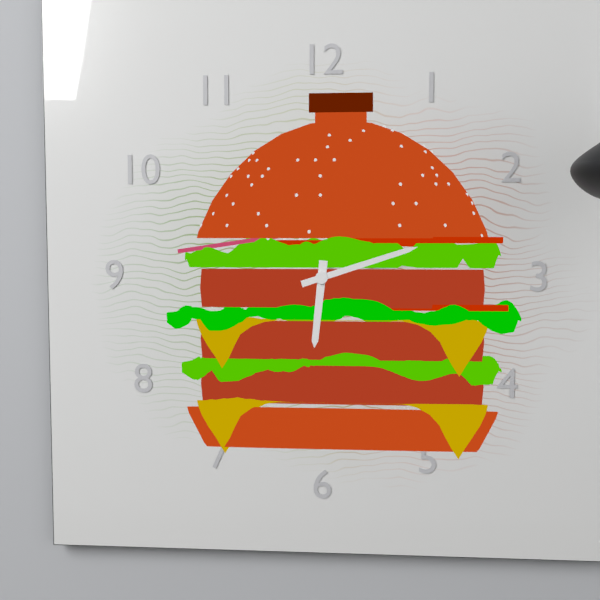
6 h 12 min
